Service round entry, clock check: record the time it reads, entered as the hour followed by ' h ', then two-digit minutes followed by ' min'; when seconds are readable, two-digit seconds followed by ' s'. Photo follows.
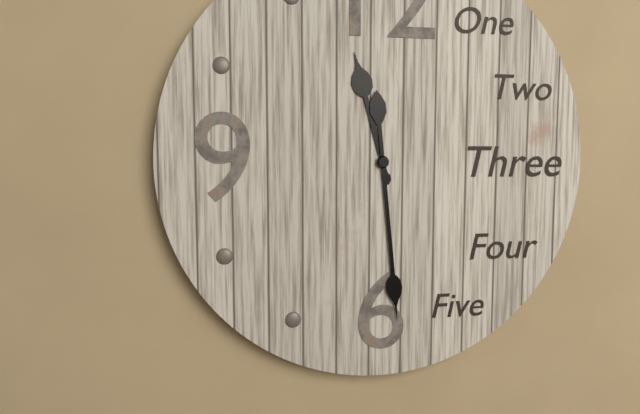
11 h 29 min
